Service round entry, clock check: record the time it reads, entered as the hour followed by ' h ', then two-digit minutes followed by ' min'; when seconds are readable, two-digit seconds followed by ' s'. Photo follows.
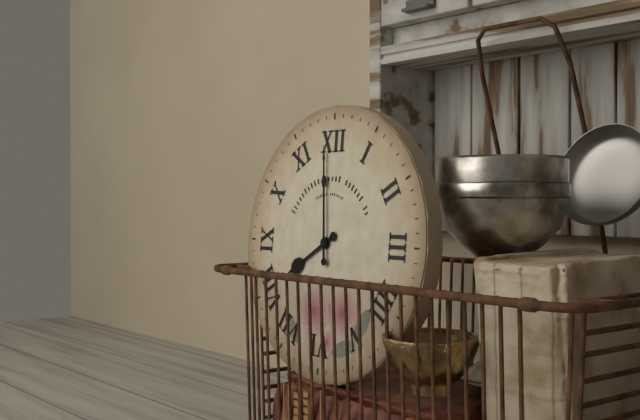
7 h 59 min
